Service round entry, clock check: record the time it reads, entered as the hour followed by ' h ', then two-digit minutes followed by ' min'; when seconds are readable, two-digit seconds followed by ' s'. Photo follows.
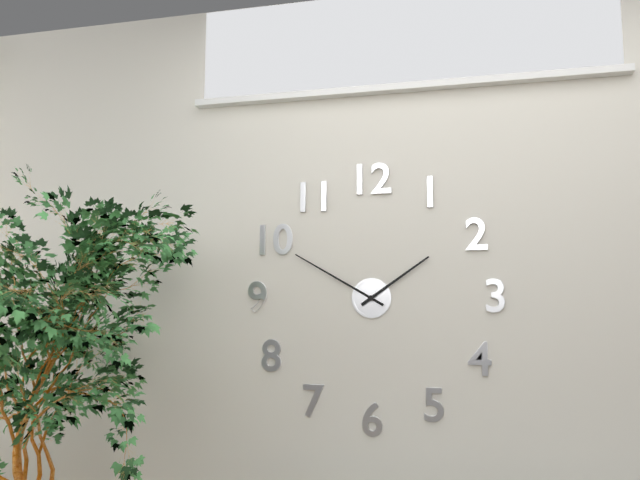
1 h 50 min
